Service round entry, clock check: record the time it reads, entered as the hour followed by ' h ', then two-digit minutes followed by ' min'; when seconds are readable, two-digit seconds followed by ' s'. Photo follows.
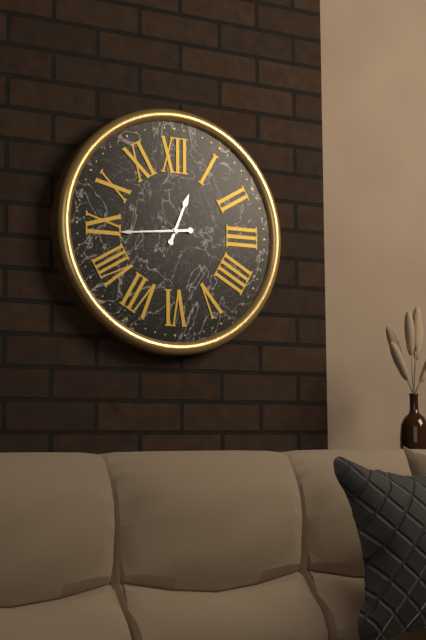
12 h 44 min
